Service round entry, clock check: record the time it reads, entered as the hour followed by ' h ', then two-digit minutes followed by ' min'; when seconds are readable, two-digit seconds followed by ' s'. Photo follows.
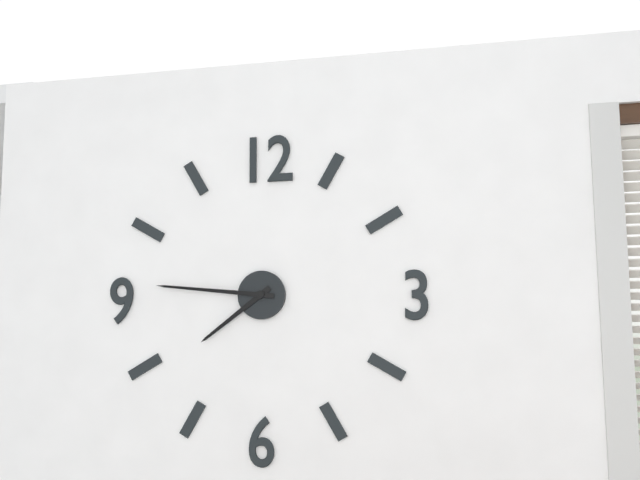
7 h 46 min
